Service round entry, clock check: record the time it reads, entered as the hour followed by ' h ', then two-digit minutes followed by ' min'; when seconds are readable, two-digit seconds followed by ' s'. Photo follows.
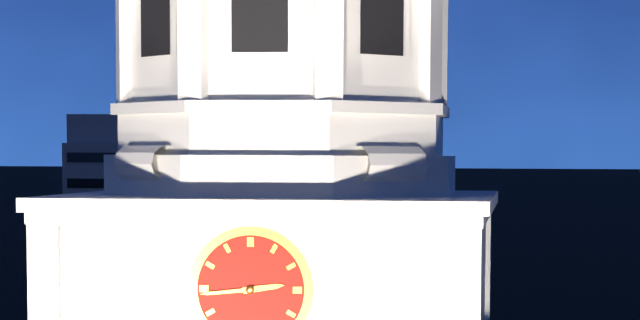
2 h 44 min
